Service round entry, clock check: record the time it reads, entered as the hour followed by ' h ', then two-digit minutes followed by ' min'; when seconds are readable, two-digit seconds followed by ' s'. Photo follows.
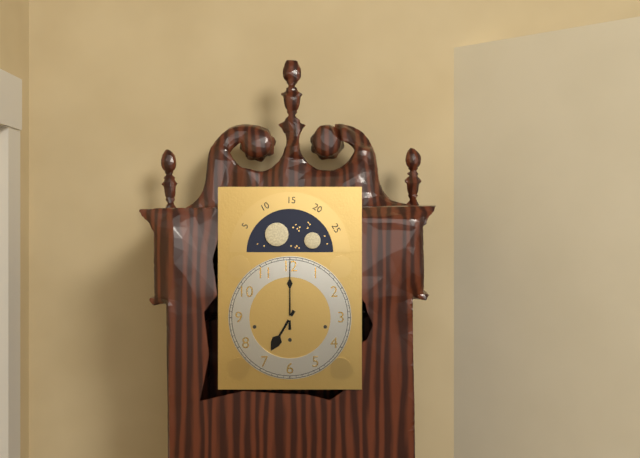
7 h 00 min
